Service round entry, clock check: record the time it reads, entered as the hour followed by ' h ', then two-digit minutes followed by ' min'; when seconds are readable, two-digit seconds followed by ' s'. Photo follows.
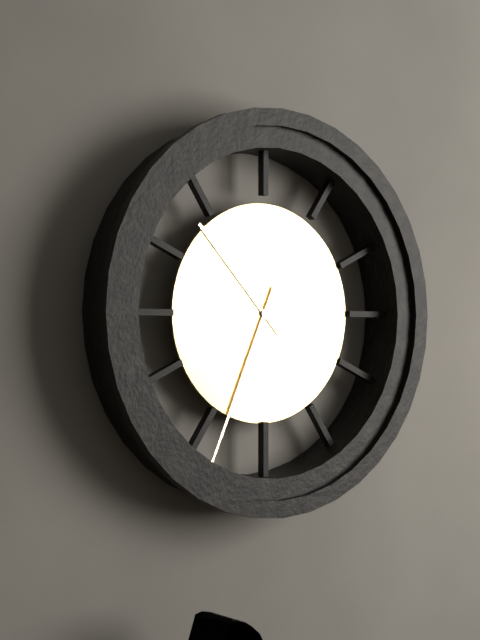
10 h 34 min
